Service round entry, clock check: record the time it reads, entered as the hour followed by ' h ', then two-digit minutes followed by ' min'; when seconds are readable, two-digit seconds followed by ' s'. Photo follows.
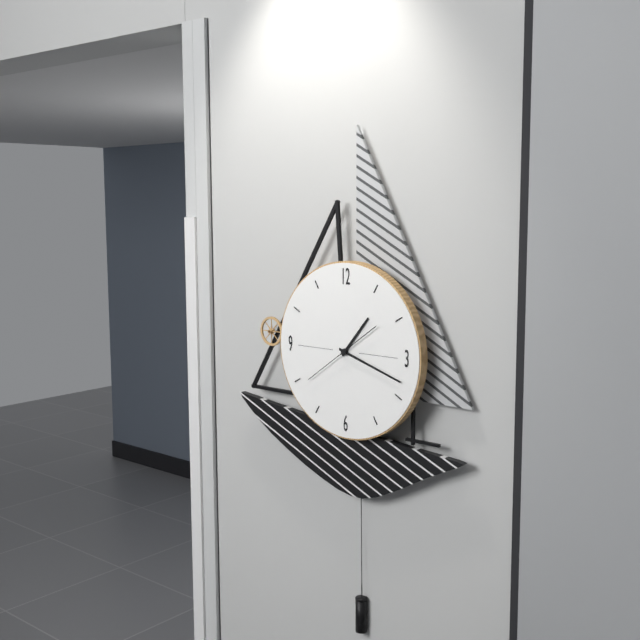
1 h 18 min 39 s
